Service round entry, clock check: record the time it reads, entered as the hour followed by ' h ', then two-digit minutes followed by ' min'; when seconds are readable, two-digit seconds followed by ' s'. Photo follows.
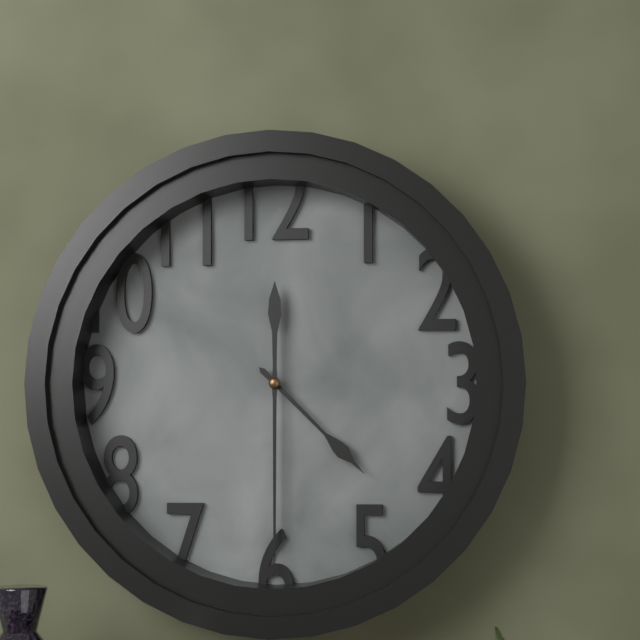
4 h 30 min
